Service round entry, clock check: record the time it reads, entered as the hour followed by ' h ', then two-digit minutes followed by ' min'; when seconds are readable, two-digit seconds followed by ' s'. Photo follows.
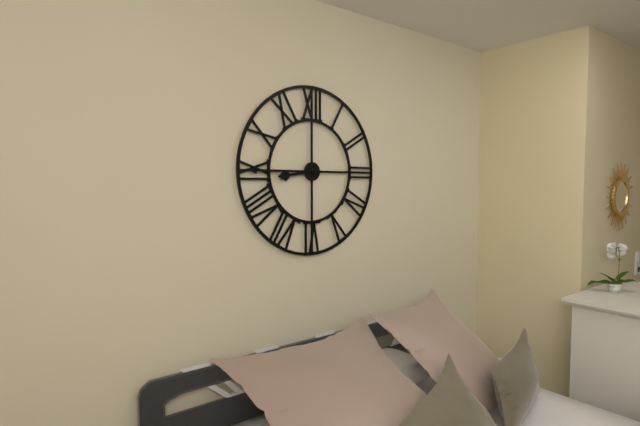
8 h 45 min
